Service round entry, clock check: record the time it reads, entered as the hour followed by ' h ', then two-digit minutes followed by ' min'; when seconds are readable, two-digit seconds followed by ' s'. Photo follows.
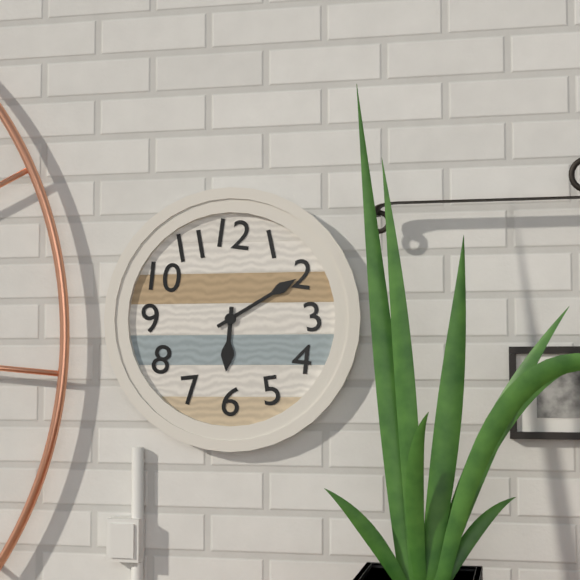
6 h 10 min
